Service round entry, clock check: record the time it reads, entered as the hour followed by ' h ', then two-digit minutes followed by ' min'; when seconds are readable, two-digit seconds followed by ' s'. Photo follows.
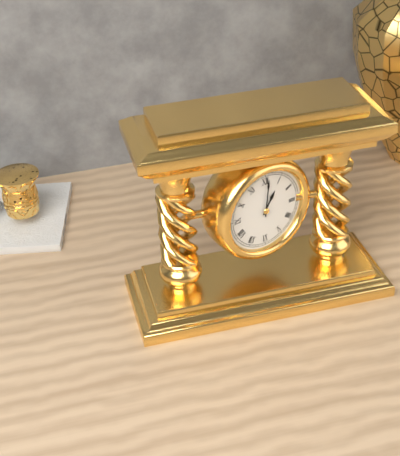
1 h 01 min
